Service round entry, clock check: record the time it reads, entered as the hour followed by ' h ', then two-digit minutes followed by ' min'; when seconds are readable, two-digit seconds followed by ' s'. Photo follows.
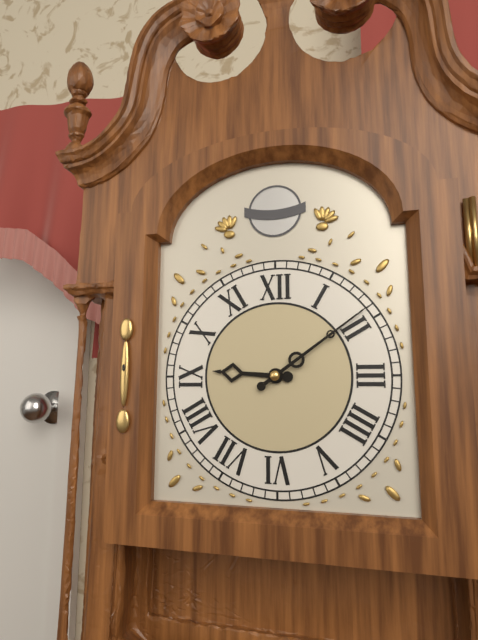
9 h 09 min
